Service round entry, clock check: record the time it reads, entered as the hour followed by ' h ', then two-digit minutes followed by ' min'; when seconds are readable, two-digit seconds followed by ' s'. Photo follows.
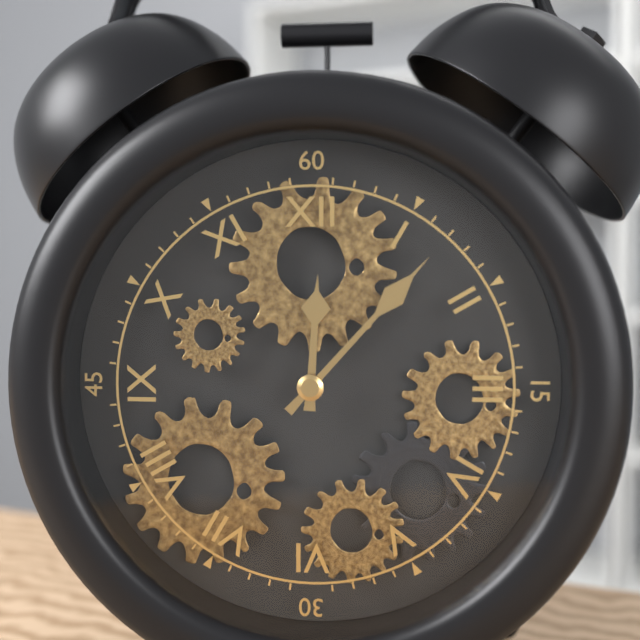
12 h 07 min
